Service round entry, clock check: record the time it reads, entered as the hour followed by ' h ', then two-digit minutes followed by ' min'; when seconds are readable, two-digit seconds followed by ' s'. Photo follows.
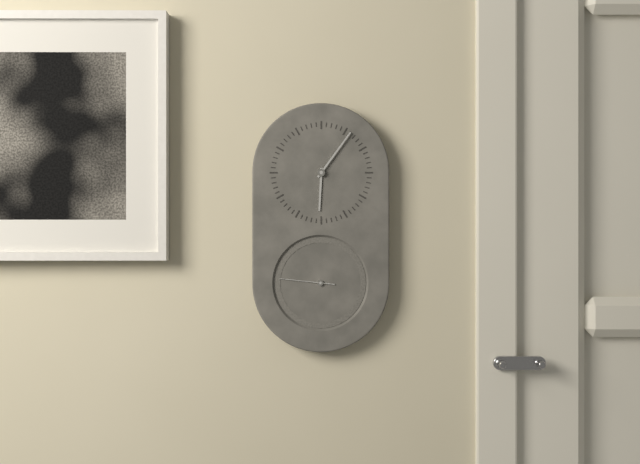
6 h 06 min 46 s
